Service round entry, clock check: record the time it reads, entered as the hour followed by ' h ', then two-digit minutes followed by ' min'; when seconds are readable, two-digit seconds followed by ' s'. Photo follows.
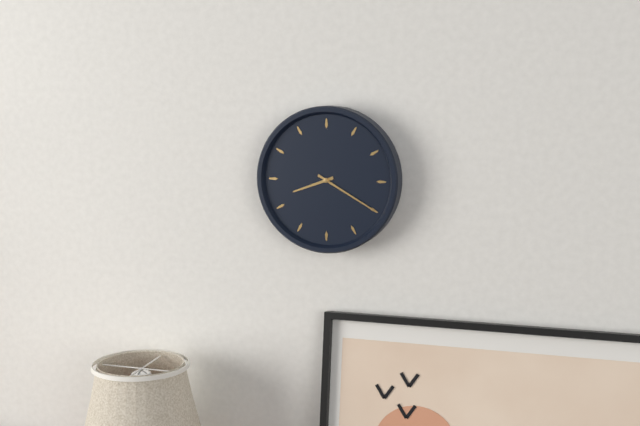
8 h 20 min
